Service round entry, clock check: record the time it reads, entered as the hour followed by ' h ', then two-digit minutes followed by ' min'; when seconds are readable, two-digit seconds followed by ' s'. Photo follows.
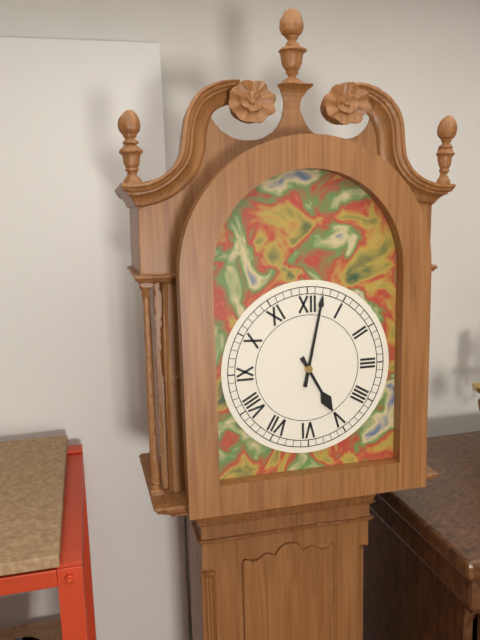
5 h 02 min
